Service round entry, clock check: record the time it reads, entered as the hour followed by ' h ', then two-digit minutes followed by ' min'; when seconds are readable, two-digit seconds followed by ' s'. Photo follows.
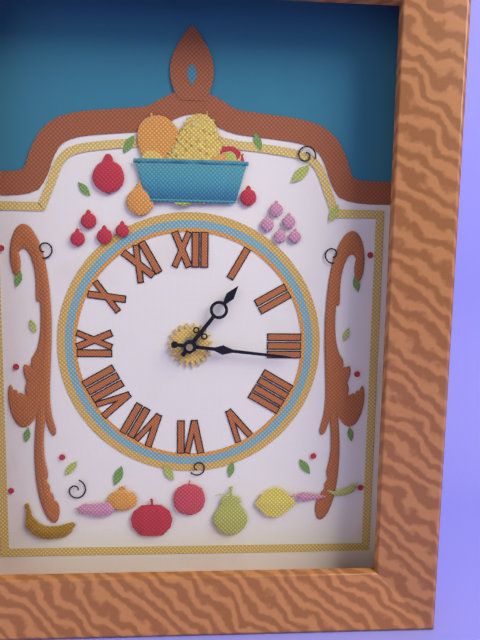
1 h 16 min
